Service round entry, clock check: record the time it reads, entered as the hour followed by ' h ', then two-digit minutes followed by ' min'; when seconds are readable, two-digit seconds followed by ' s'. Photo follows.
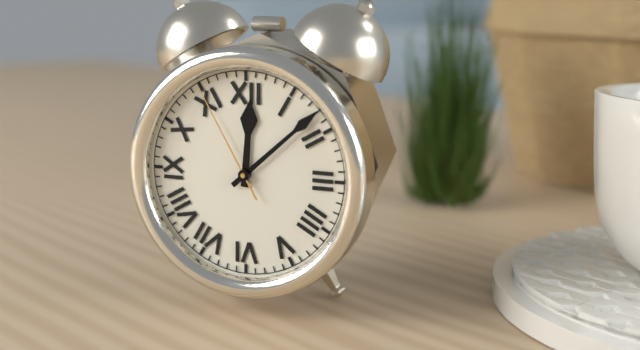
12 h 08 min 55 s
